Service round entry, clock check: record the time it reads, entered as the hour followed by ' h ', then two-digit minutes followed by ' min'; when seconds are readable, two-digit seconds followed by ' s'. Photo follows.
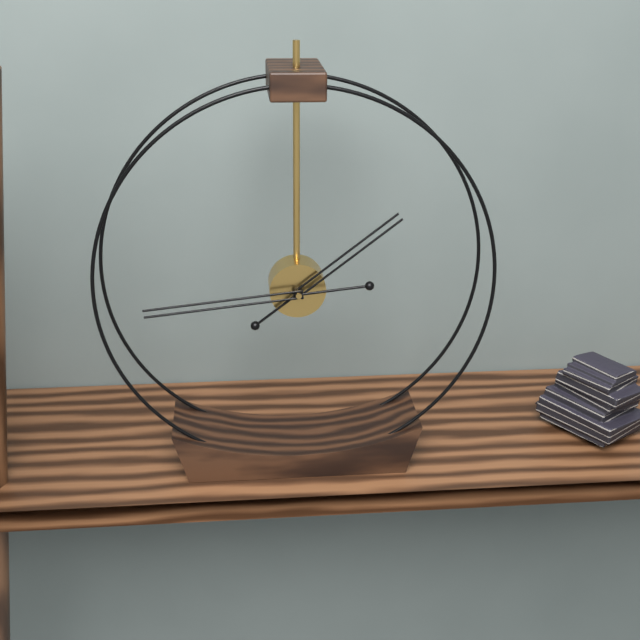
1 h 44 min
